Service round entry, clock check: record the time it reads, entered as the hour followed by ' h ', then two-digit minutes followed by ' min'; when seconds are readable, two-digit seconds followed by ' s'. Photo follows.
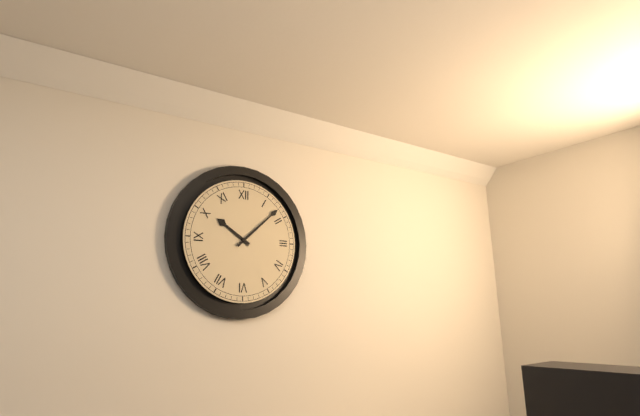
10 h 08 min
